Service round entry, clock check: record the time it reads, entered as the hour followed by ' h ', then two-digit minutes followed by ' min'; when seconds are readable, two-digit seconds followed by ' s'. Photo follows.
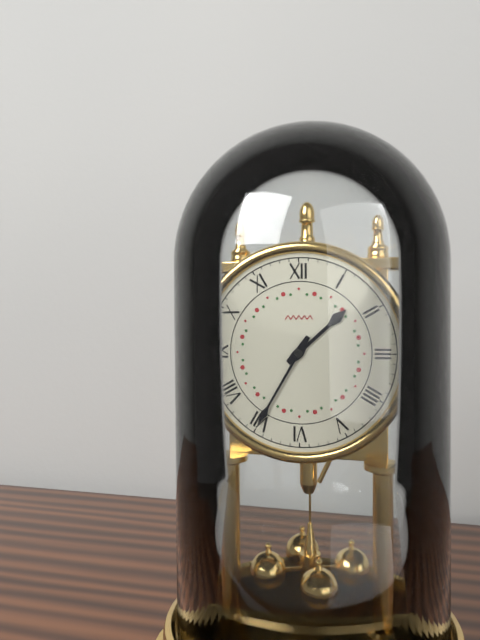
1 h 35 min
